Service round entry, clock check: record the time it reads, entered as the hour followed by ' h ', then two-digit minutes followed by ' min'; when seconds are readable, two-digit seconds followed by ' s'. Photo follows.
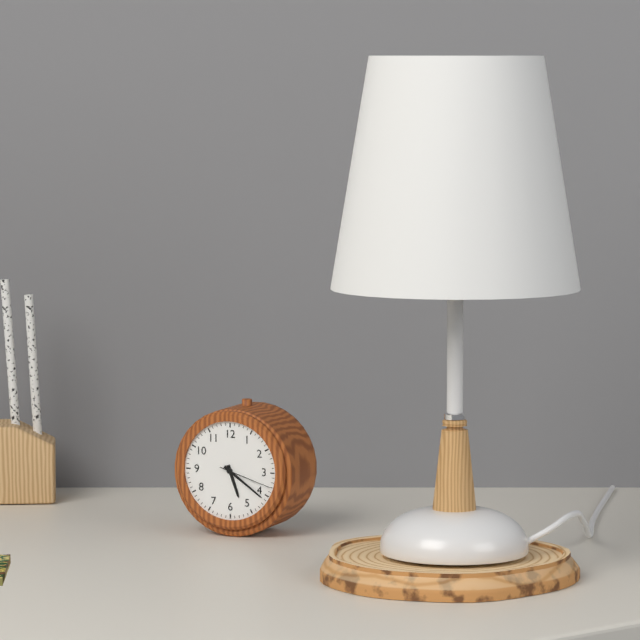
5 h 21 min 18 s
